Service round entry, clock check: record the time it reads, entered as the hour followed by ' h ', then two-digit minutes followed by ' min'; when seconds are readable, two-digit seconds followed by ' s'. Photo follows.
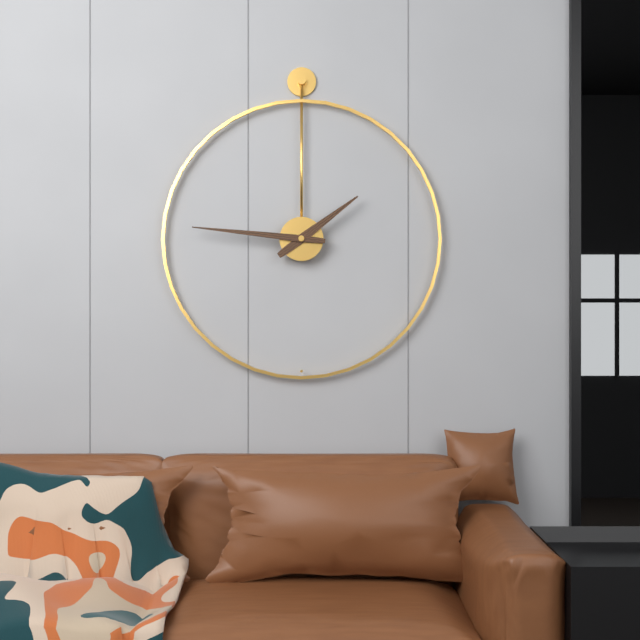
1 h 46 min
